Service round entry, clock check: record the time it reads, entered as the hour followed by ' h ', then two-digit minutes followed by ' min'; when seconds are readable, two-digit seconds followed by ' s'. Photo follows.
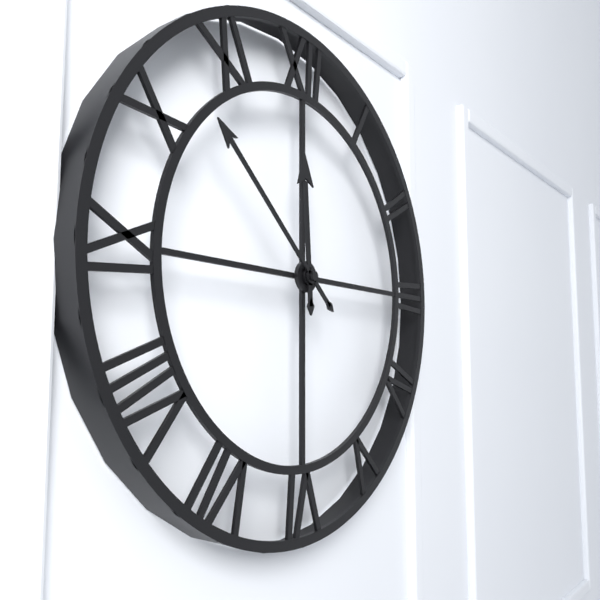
11 h 52 min
